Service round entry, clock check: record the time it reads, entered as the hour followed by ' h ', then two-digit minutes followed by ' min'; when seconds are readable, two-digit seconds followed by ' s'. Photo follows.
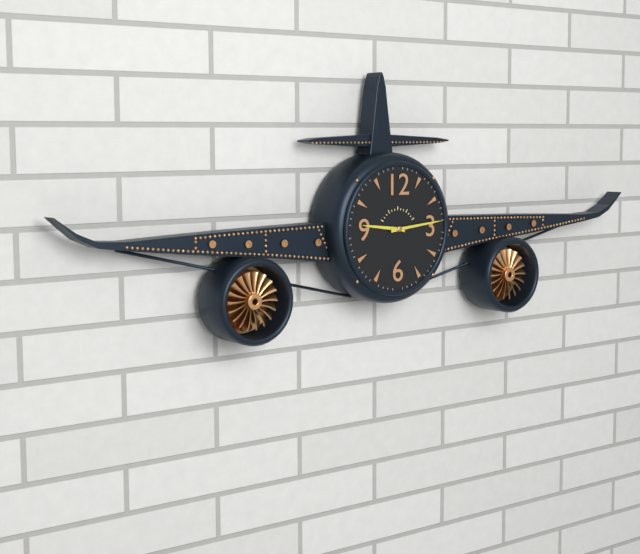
9 h 14 min
